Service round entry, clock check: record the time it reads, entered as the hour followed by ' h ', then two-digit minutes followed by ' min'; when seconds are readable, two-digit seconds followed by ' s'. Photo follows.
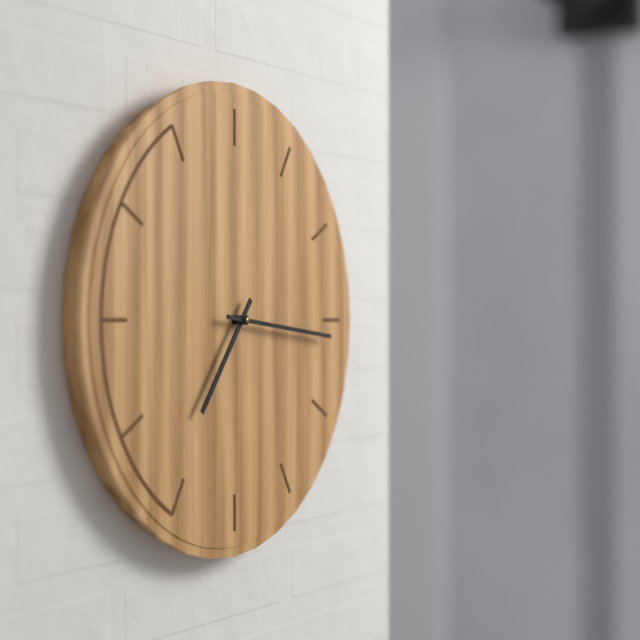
7 h 16 min
